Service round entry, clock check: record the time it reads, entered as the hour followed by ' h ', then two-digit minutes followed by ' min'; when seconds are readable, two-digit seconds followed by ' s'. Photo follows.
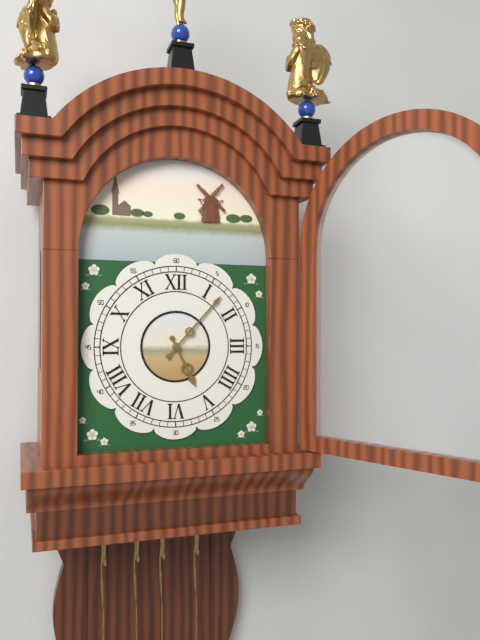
5 h 07 min
